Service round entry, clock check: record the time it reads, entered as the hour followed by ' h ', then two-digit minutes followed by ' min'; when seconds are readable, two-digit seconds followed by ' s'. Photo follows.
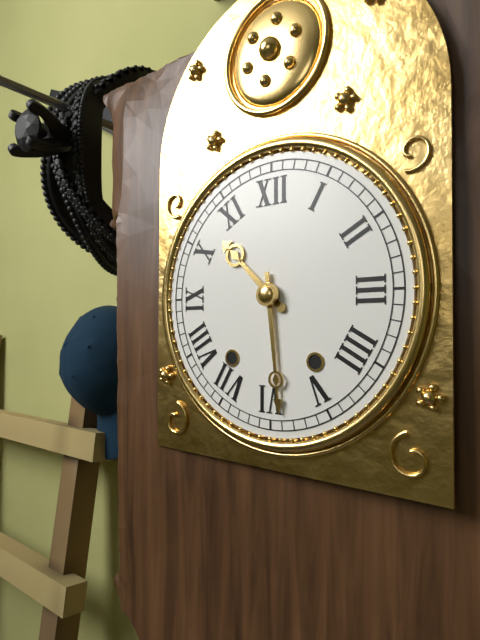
10 h 29 min
